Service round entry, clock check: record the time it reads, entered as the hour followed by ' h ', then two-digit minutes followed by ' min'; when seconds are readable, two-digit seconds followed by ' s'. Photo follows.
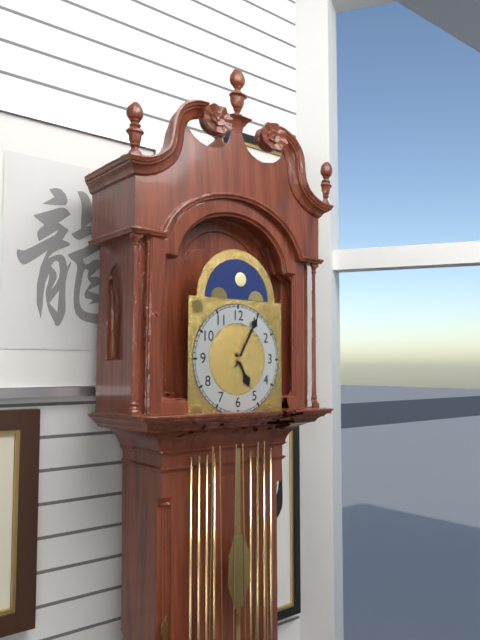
5 h 05 min
